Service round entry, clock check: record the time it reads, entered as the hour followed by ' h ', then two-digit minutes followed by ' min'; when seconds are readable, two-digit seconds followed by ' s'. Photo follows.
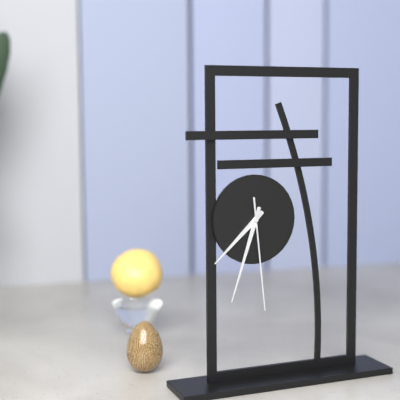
7 h 33 min 29 s
